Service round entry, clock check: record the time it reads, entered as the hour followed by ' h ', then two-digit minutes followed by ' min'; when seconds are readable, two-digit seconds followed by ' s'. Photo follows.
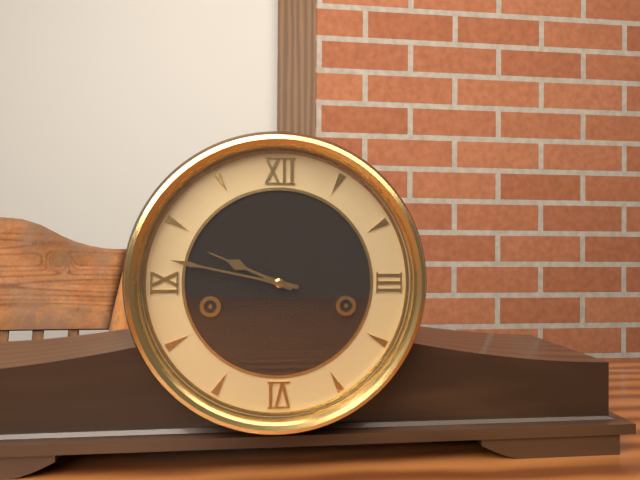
9 h 47 min
